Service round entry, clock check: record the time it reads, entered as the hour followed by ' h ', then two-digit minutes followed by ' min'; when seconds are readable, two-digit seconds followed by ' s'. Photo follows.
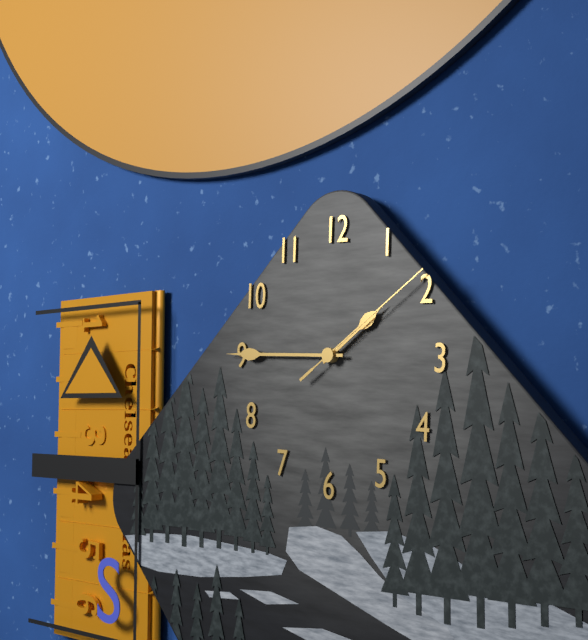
1 h 45 min 09 s
